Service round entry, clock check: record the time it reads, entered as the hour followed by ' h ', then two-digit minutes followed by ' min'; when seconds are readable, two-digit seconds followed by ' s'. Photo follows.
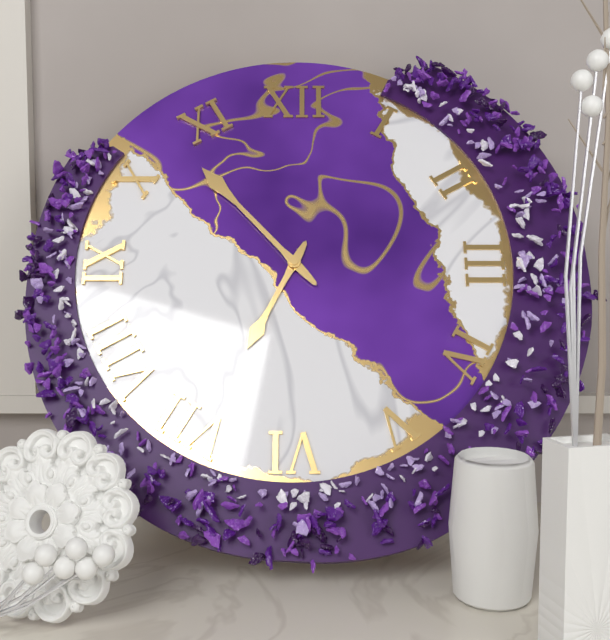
6 h 53 min
